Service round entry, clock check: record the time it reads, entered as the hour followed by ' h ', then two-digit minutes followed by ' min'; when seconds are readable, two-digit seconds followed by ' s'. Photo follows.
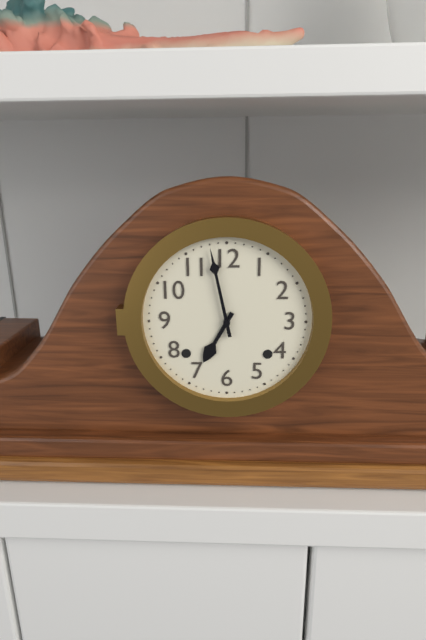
6 h 58 min
